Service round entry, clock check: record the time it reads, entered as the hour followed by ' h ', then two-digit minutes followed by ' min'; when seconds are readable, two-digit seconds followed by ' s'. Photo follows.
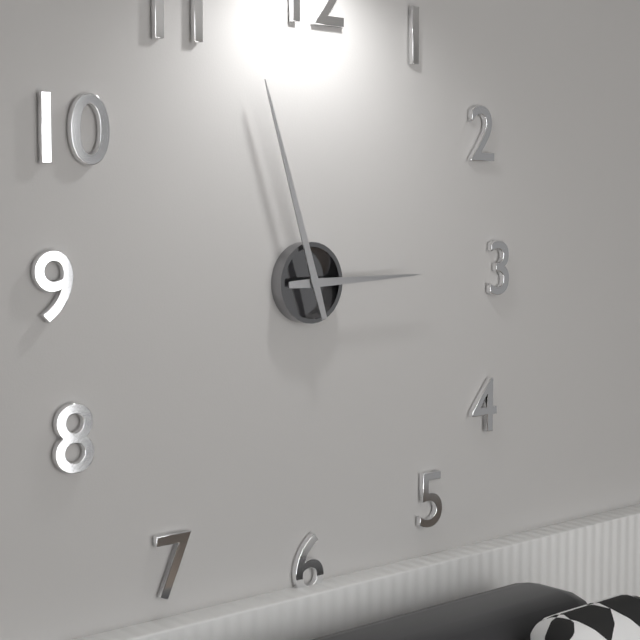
2 h 57 min
